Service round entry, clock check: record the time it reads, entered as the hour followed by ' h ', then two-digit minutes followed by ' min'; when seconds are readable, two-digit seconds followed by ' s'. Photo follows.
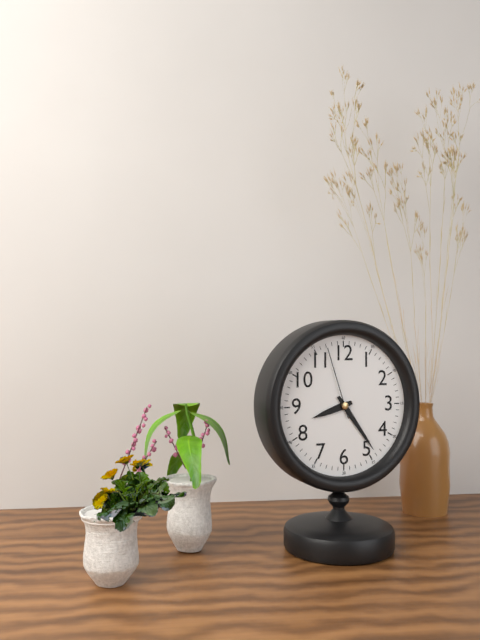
8 h 24 min 57 s
